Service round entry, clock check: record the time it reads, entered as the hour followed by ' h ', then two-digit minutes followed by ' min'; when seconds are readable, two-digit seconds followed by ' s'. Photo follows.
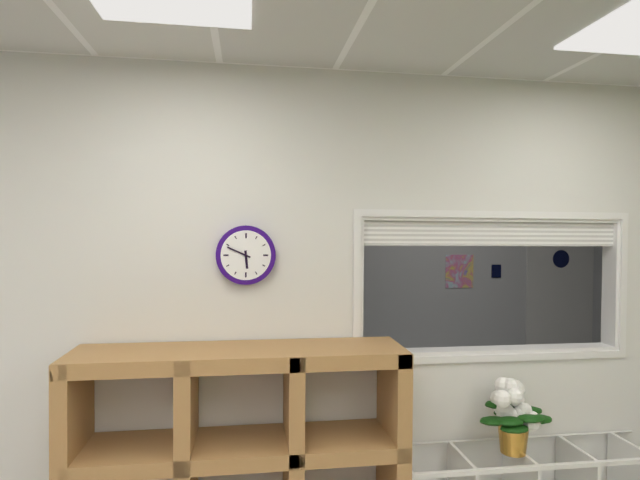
5 h 49 min
